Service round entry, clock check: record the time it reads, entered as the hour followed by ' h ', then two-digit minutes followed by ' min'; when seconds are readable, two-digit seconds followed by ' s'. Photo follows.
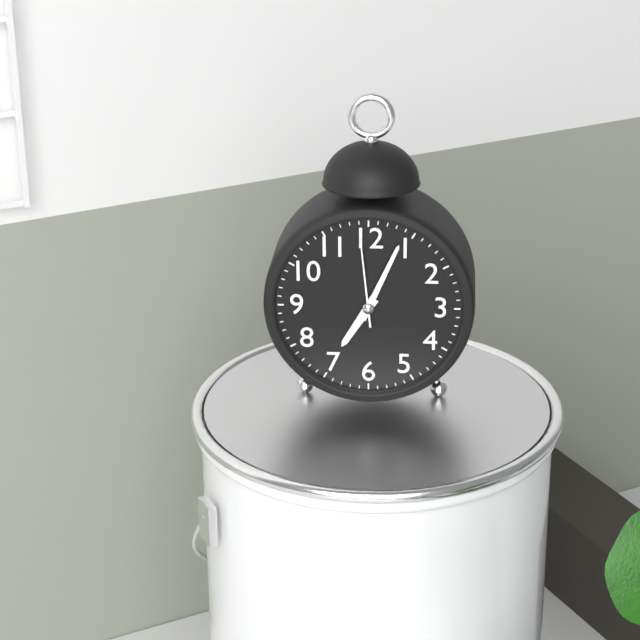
7 h 04 min 59 s
